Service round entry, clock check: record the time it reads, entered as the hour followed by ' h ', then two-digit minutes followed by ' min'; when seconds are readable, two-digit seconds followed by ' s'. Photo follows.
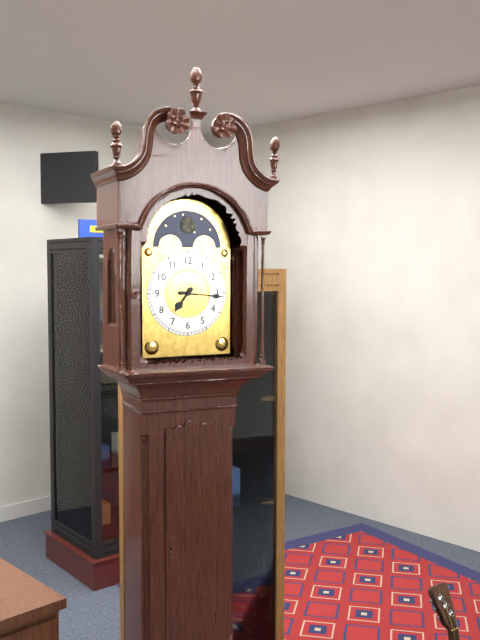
7 h 16 min
